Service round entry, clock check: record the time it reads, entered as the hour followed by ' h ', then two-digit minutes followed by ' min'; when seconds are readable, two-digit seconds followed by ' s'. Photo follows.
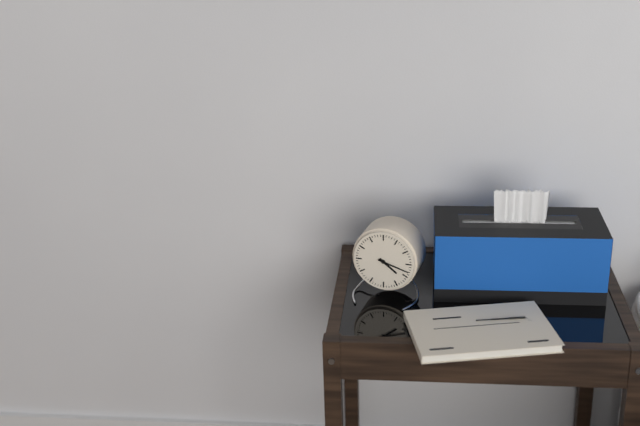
4 h 18 min
